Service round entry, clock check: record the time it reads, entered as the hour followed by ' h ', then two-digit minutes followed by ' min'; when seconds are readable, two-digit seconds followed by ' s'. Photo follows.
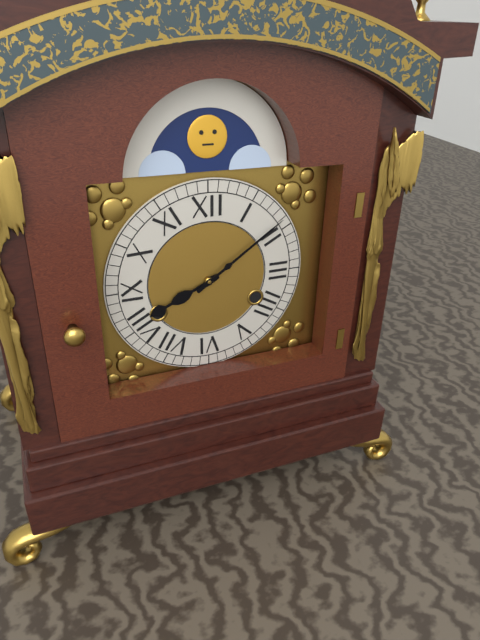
8 h 09 min
